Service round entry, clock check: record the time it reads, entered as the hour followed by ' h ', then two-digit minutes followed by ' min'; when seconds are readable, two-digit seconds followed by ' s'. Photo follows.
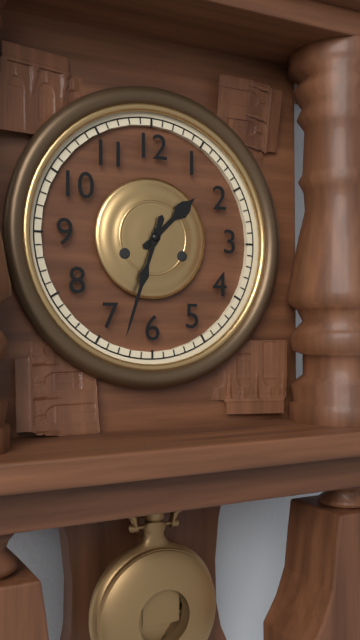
1 h 33 min
